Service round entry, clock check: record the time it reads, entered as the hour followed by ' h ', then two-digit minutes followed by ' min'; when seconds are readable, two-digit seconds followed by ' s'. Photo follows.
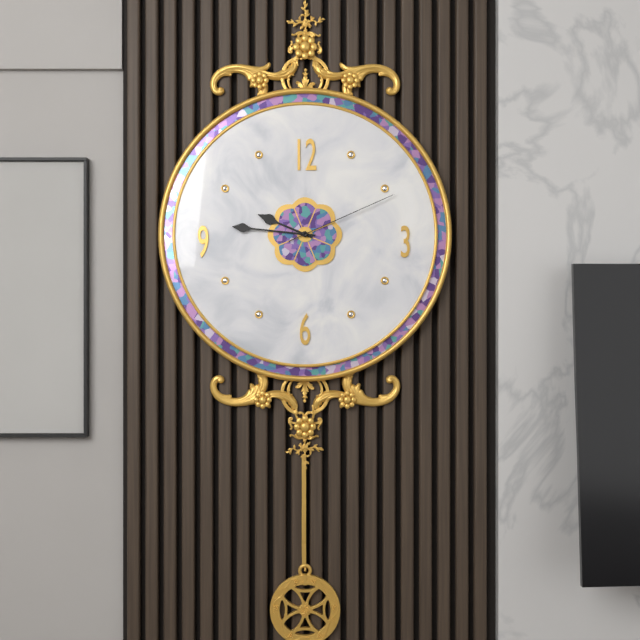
9 h 46 min 11 s
